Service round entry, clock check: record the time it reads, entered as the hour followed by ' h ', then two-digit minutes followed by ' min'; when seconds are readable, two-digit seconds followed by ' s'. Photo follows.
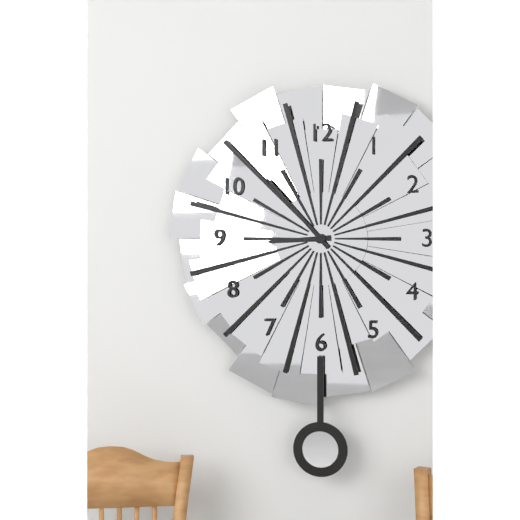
8 h 53 min
